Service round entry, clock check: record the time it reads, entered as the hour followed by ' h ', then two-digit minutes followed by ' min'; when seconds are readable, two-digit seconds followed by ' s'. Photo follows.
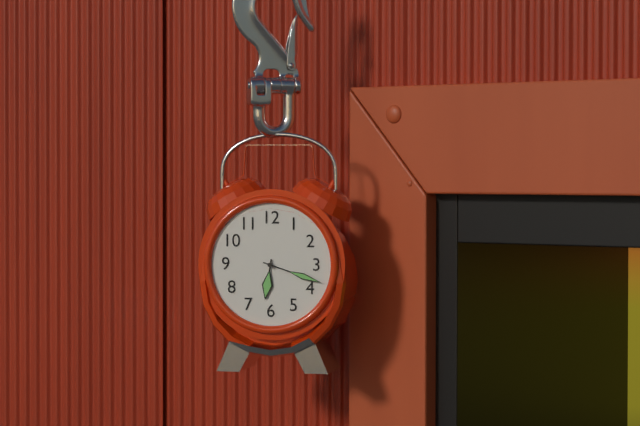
6 h 18 min
